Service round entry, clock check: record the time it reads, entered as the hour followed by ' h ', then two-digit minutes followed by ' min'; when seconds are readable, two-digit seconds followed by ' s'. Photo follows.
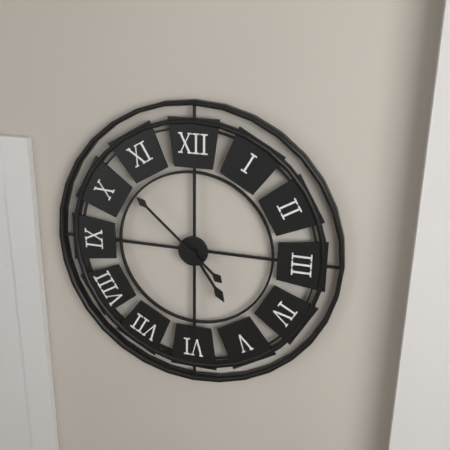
4 h 52 min
